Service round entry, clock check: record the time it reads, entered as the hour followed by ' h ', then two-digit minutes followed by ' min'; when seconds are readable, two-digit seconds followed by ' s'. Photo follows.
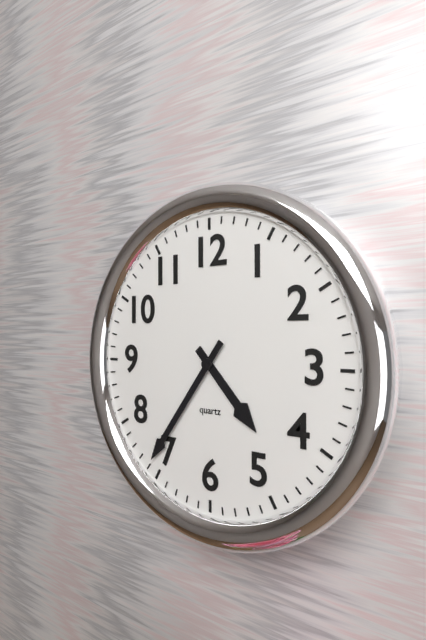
4 h 36 min
